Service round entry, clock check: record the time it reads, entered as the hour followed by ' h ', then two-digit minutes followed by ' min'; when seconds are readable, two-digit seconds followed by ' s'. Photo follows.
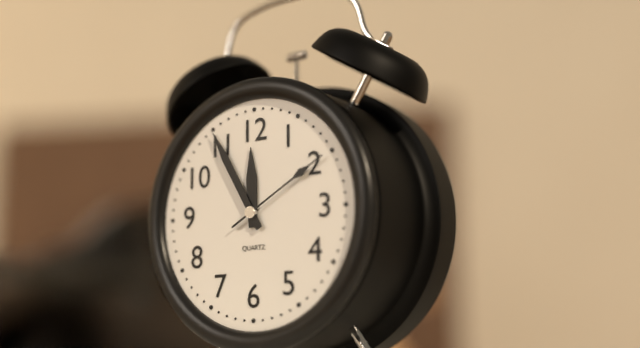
11 h 55 min 10 s
